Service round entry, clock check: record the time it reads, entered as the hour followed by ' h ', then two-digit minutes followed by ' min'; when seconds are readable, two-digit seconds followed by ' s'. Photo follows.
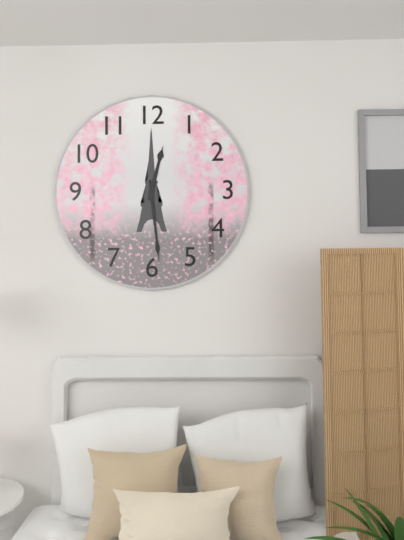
12 h 29 min
